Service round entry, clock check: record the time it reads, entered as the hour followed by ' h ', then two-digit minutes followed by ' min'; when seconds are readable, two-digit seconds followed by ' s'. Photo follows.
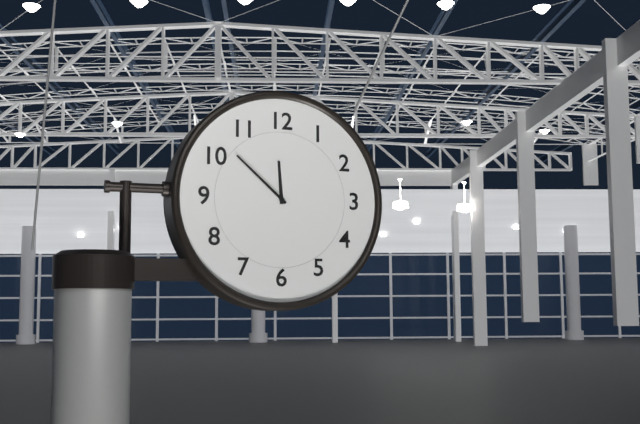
11 h 52 min
